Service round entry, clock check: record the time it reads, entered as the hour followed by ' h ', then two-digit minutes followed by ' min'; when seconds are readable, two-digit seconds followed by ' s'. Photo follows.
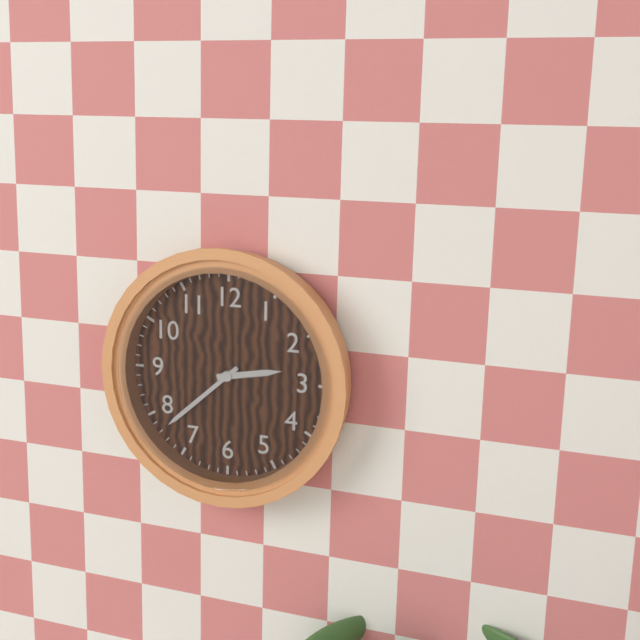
2 h 38 min
